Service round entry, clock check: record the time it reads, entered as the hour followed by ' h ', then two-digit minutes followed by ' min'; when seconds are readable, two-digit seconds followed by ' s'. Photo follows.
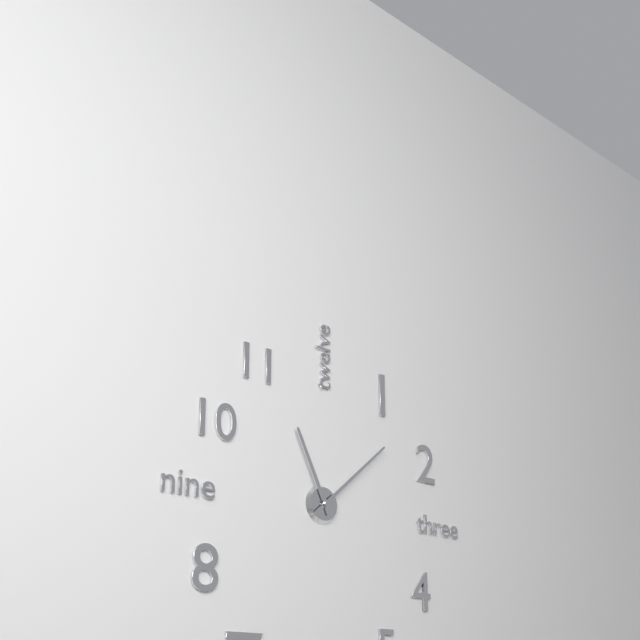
11 h 08 min
